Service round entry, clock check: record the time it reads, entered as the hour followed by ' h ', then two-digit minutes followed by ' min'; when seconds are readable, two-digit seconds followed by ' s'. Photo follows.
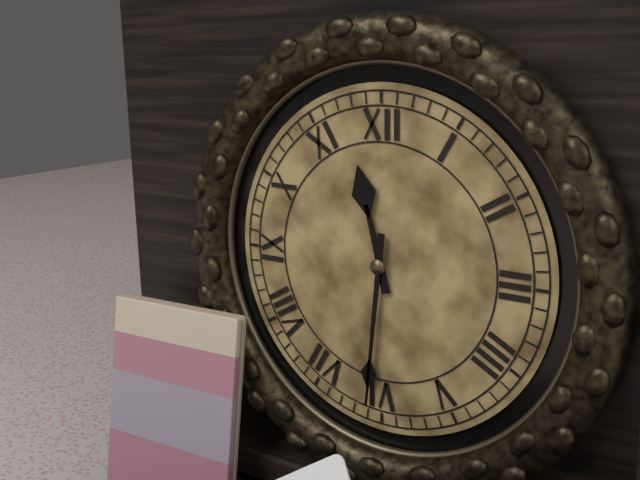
11 h 31 min
